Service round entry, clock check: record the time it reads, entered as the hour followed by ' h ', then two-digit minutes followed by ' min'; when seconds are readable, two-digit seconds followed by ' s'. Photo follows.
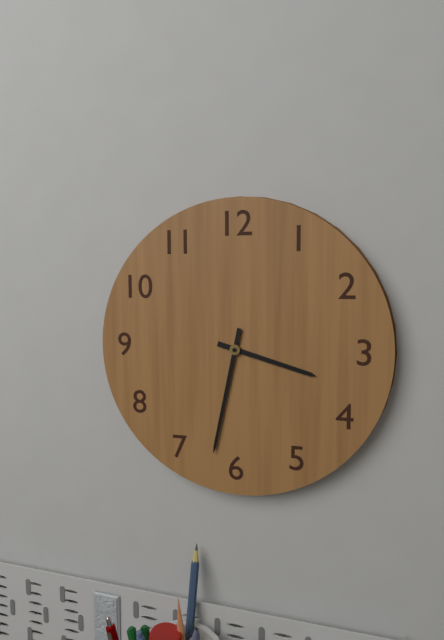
3 h 32 min
